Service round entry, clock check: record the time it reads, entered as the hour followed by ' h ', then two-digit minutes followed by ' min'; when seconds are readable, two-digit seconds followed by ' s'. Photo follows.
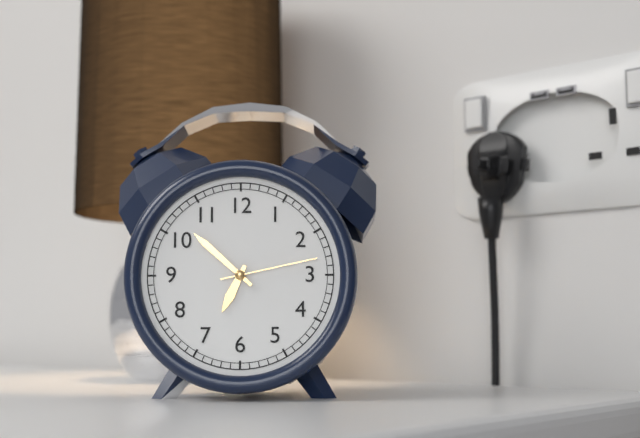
6 h 52 min 13 s
